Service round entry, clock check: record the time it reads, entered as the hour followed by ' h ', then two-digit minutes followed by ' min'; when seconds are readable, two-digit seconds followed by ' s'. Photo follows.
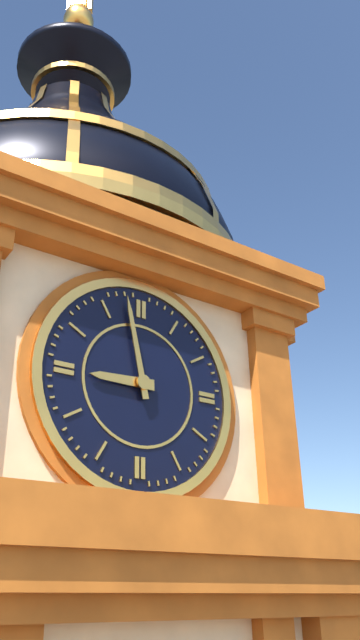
8 h 58 min
